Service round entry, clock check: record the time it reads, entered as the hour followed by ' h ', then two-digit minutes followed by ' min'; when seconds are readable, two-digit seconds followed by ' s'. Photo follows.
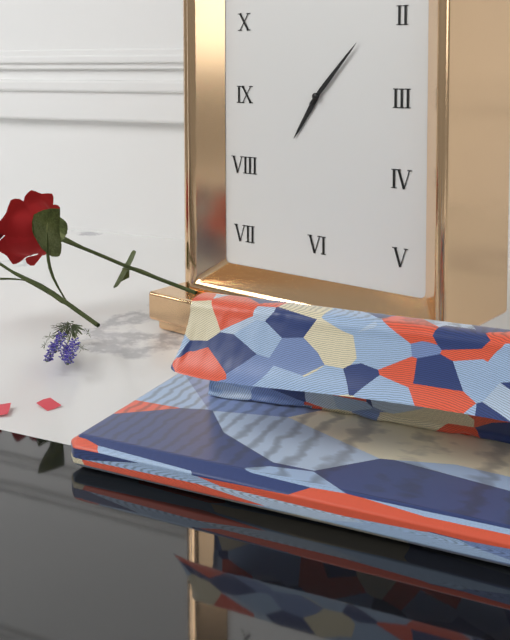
7 h 07 min
